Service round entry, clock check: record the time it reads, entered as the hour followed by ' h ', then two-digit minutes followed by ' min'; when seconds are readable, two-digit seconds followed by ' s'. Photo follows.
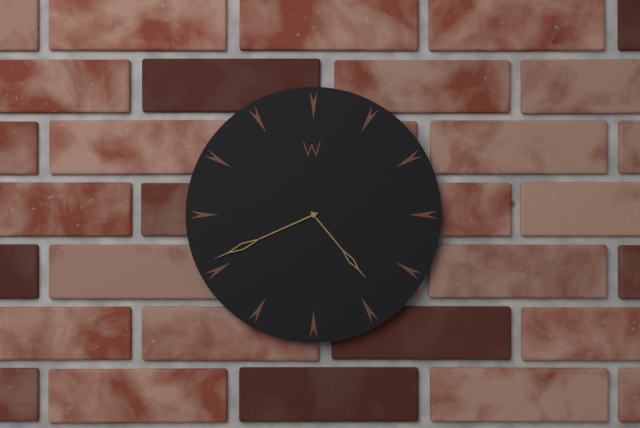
4 h 41 min
